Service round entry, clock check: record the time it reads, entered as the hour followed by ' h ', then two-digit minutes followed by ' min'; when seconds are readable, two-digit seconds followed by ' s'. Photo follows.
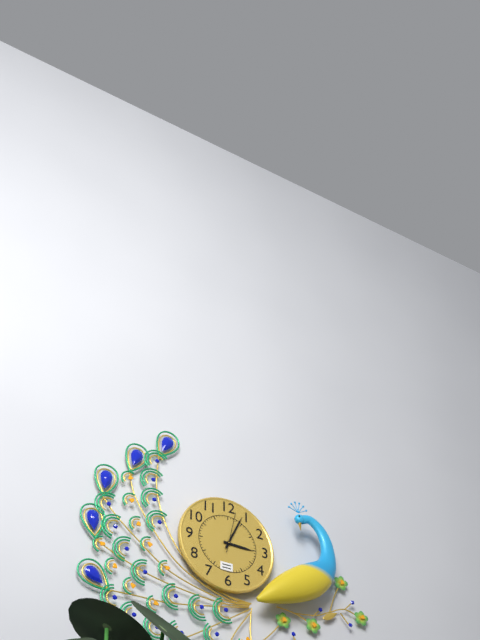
3 h 04 min
